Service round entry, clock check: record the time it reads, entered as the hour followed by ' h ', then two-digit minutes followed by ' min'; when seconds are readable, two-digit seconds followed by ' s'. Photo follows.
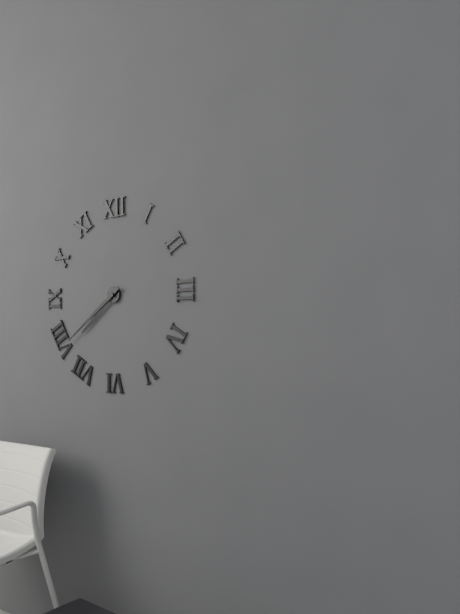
7 h 39 min
